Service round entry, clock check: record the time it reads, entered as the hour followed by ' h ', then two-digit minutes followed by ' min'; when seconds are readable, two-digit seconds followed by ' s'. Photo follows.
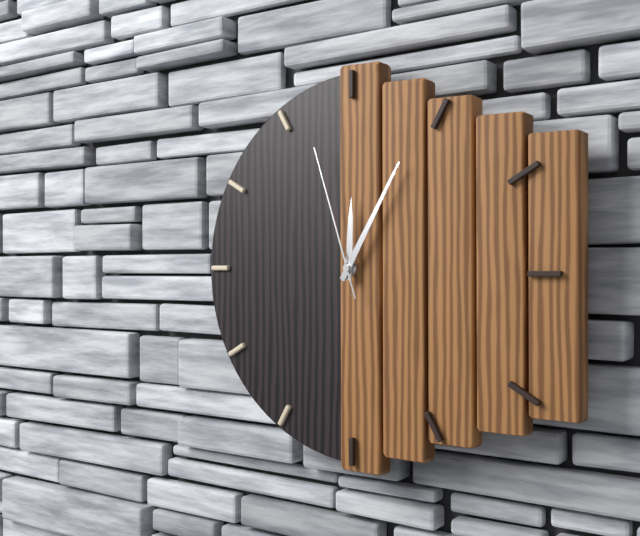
12 h 05 min 57 s
